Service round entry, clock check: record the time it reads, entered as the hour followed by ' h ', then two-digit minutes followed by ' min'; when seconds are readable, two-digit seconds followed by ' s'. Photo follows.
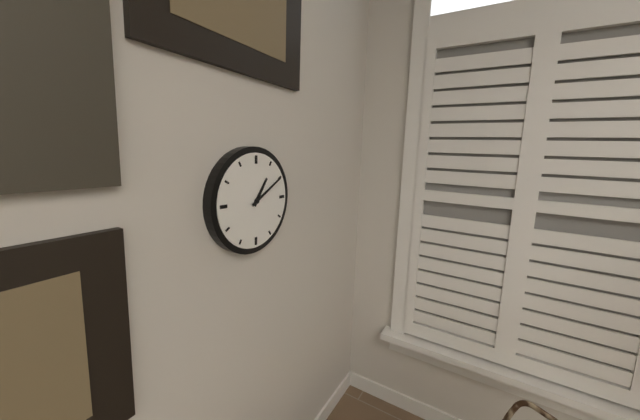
1 h 10 min
